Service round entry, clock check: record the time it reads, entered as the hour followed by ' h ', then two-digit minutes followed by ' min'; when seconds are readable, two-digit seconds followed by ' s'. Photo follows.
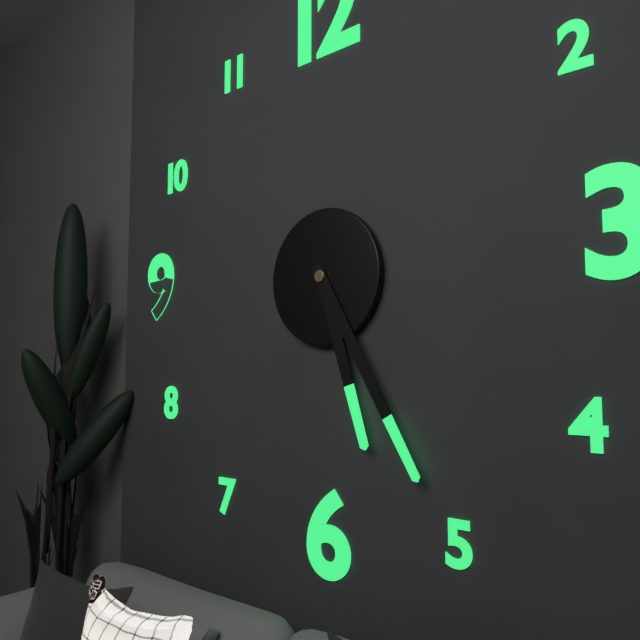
5 h 25 min
